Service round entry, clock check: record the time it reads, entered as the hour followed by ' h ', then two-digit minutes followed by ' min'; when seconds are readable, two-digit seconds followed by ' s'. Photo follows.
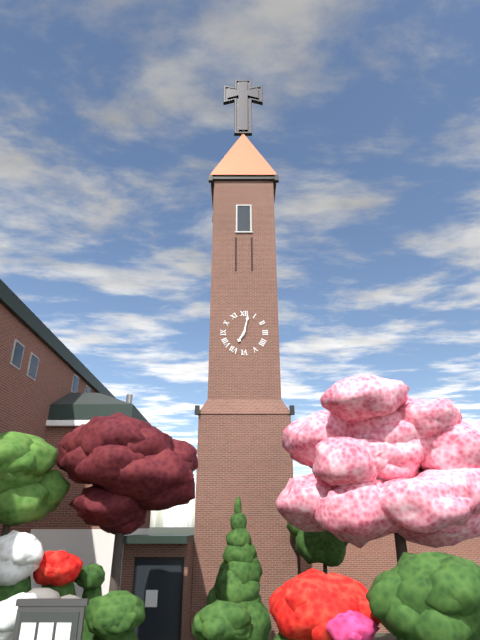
7 h 02 min
